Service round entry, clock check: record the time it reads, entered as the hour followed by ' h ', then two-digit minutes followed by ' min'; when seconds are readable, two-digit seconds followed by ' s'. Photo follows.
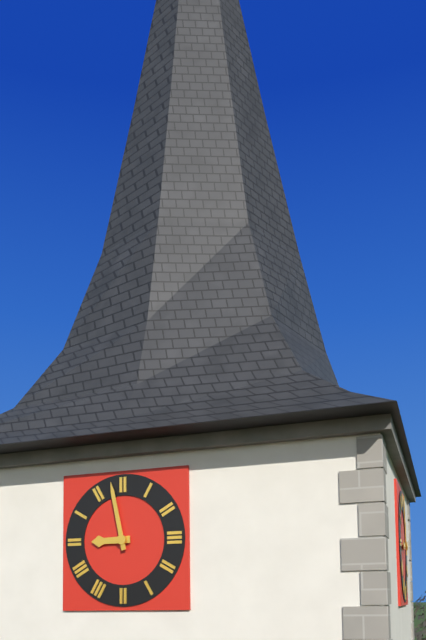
8 h 58 min
